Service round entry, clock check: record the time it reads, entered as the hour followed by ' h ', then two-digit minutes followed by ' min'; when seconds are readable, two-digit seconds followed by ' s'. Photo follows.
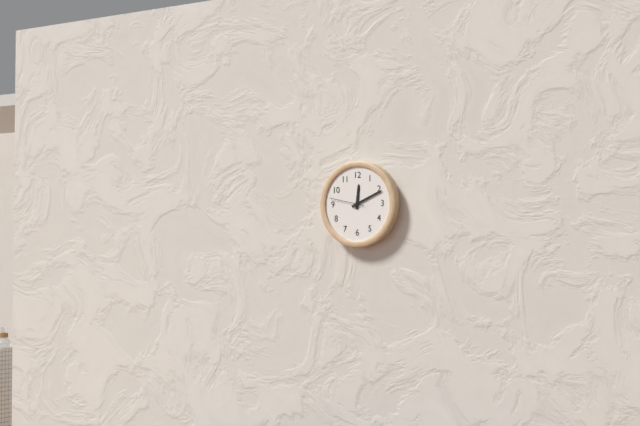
12 h 11 min
